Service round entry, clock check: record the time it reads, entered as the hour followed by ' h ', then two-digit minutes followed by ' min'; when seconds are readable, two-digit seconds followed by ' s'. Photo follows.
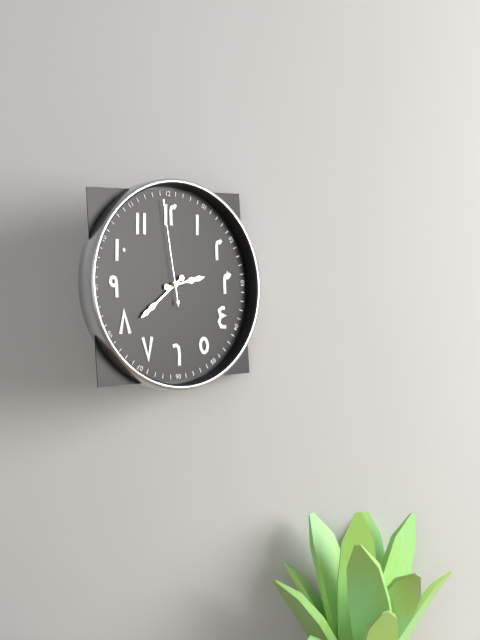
2 h 39 min 59 s
